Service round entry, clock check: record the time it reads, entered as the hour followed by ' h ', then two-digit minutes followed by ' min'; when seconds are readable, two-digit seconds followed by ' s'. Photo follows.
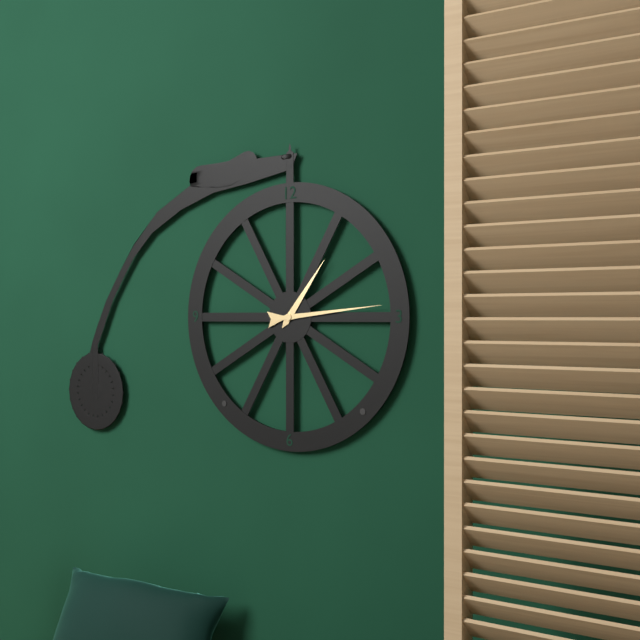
1 h 14 min
